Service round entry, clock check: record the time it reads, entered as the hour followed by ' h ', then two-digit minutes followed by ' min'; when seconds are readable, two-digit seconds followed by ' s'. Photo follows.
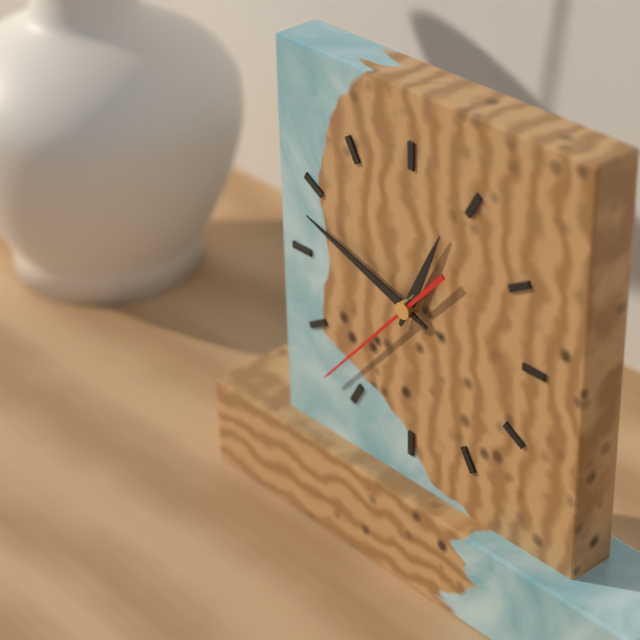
12 h 48 min 37 s
